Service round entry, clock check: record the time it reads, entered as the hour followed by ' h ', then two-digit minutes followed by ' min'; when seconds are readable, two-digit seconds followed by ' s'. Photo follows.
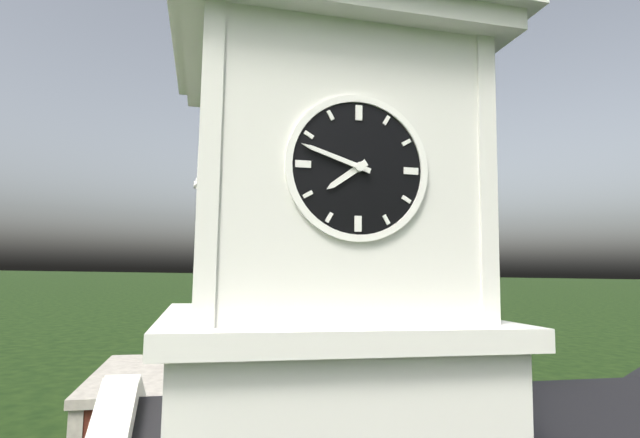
7 h 48 min
